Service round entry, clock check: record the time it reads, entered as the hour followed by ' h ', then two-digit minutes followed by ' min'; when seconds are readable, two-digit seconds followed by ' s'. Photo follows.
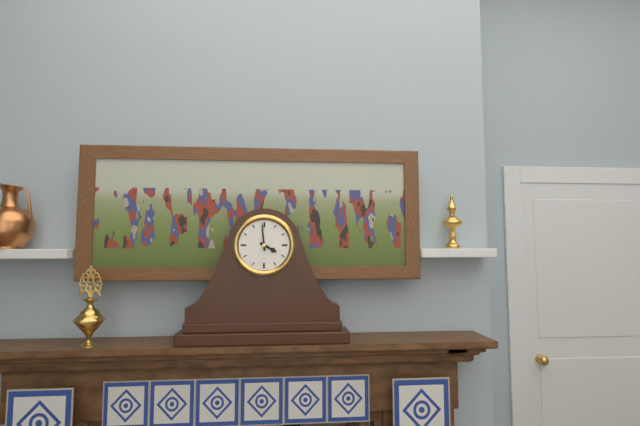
3 h 59 min
